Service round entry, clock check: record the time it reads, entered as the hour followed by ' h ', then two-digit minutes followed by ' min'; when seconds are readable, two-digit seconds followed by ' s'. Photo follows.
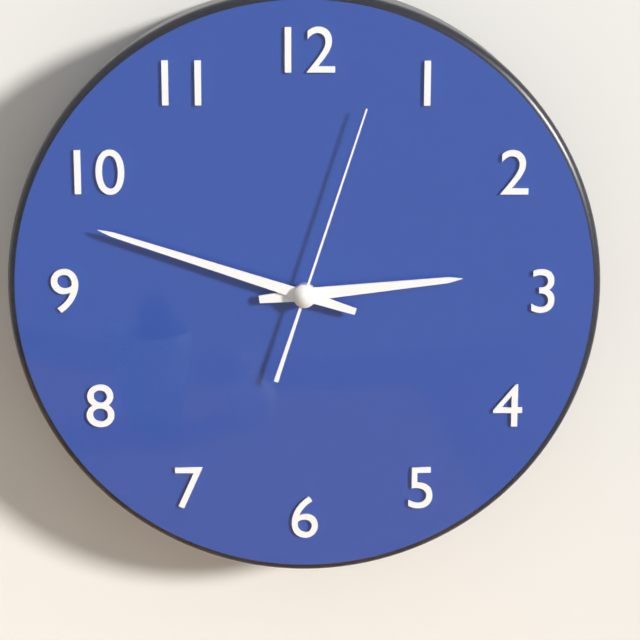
2 h 48 min 03 s
